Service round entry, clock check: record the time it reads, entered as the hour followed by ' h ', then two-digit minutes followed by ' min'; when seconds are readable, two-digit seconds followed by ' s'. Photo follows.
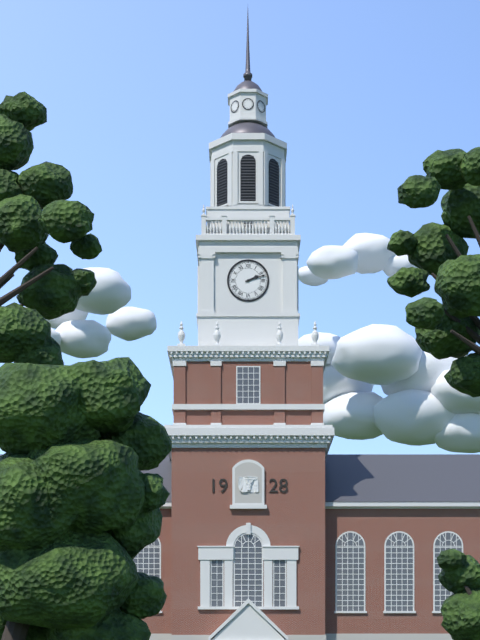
2 h 12 min
